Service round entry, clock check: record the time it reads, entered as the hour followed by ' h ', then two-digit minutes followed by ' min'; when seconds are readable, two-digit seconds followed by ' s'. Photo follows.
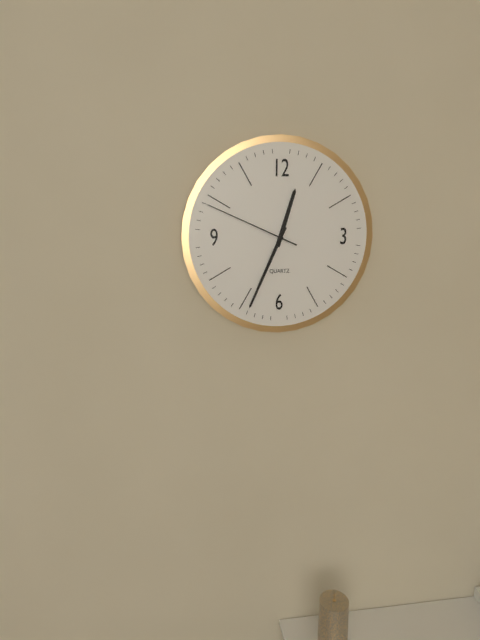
12 h 34 min 49 s
